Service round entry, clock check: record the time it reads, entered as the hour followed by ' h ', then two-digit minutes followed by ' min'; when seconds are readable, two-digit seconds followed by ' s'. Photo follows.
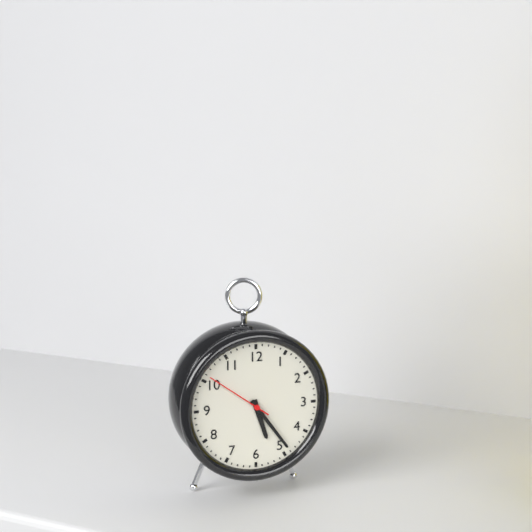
5 h 24 min 51 s
